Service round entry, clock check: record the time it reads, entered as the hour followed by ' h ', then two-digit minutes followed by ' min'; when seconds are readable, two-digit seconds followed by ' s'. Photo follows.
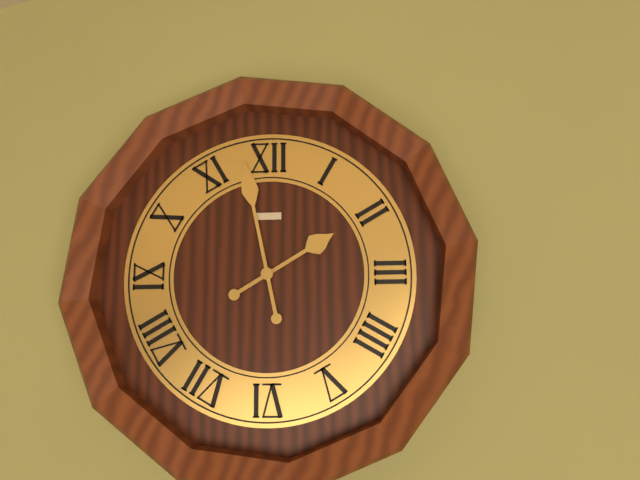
1 h 58 min
